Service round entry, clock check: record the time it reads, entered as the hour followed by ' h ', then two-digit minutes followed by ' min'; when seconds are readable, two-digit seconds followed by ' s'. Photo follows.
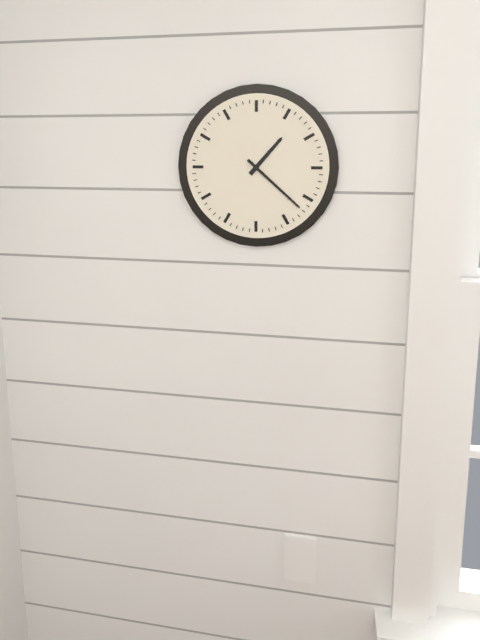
1 h 22 min
